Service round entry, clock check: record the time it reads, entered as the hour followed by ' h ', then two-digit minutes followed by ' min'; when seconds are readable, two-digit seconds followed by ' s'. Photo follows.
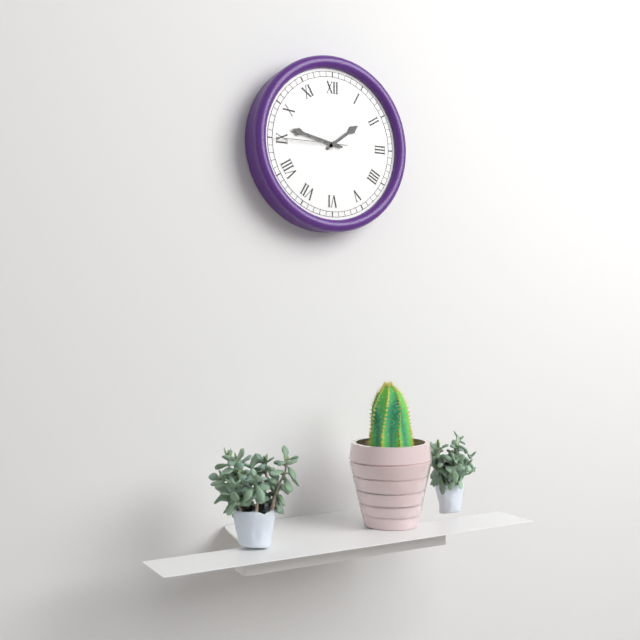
1 h 47 min 45 s
